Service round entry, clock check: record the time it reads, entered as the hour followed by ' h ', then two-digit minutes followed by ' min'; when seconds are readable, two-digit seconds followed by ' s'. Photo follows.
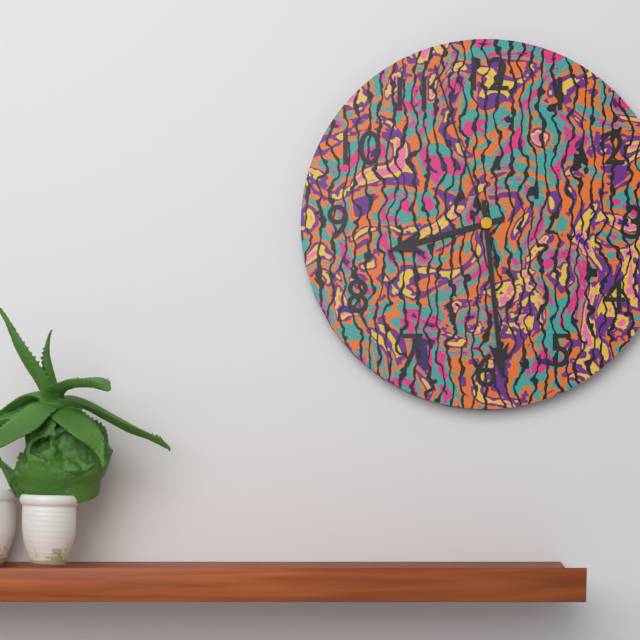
8 h 29 min 57 s
